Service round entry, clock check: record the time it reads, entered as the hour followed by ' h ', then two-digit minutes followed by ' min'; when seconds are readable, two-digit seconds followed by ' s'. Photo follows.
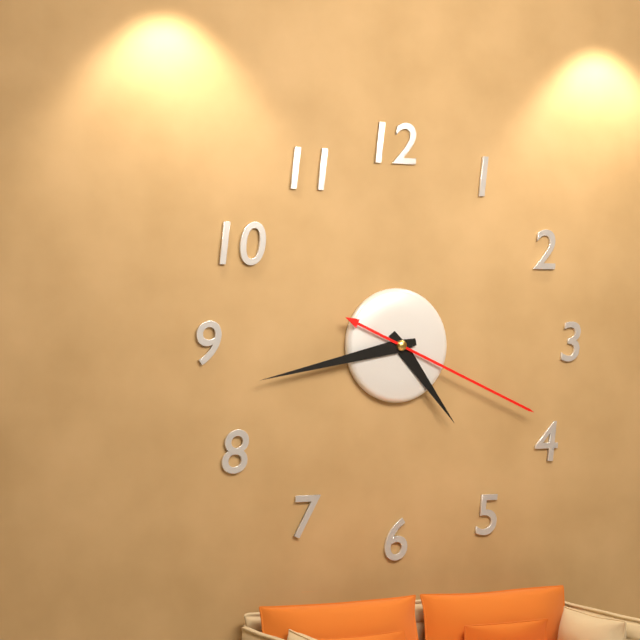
4 h 43 min 19 s
